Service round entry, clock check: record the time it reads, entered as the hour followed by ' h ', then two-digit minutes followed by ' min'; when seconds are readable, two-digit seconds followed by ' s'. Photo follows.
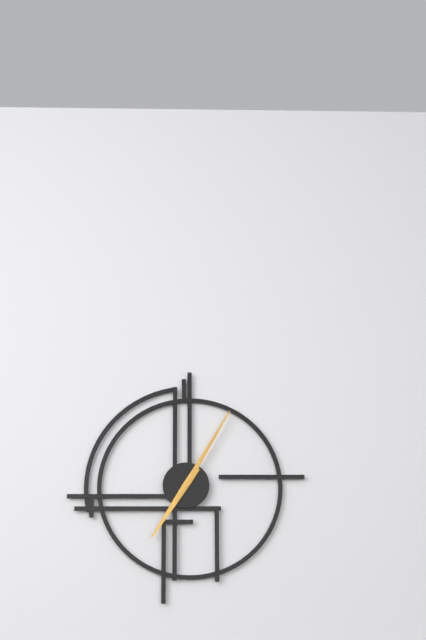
7 h 05 min 05 s
